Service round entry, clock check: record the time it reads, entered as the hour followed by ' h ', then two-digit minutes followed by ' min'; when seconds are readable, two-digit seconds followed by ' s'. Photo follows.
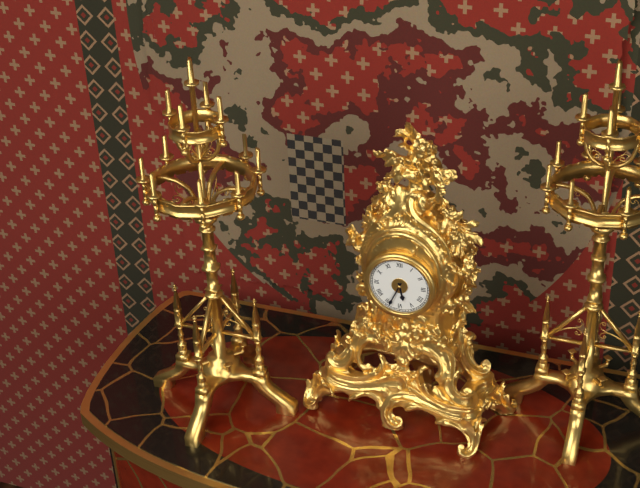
5 h 34 min
